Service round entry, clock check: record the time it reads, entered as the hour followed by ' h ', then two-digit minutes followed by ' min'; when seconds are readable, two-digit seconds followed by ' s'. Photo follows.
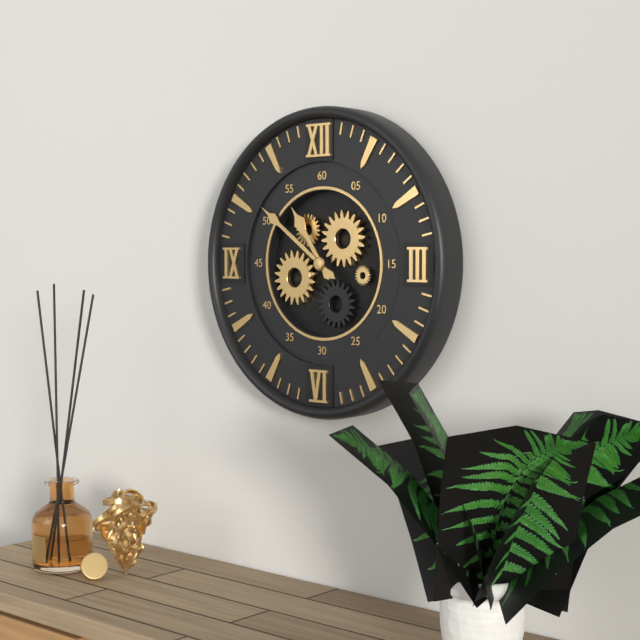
10 h 51 min
